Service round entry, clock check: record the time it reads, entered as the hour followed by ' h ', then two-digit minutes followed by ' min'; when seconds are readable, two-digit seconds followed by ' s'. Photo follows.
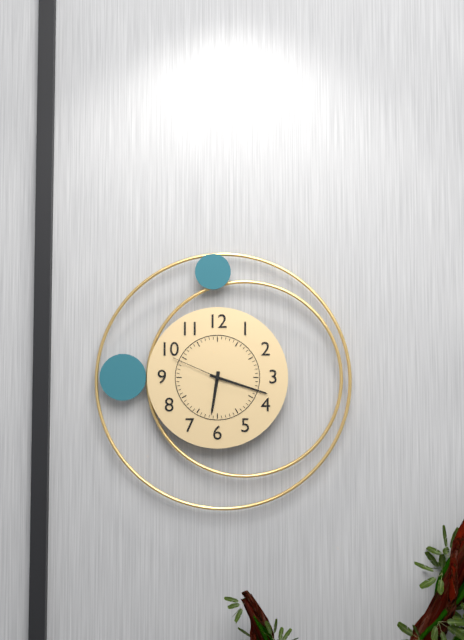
6 h 18 min 49 s
